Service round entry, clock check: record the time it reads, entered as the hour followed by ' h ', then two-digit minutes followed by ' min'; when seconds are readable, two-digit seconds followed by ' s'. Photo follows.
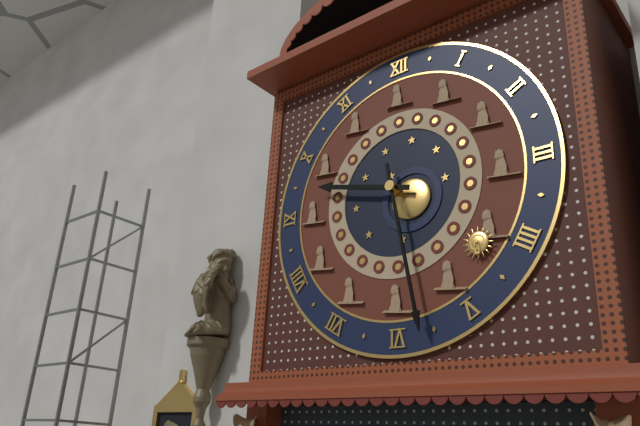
9 h 28 min
